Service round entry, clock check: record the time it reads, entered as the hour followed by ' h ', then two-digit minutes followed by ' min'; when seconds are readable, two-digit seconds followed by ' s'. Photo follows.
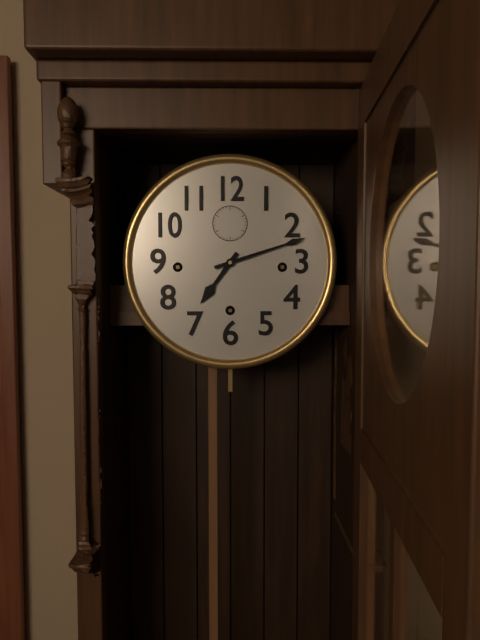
7 h 12 min
